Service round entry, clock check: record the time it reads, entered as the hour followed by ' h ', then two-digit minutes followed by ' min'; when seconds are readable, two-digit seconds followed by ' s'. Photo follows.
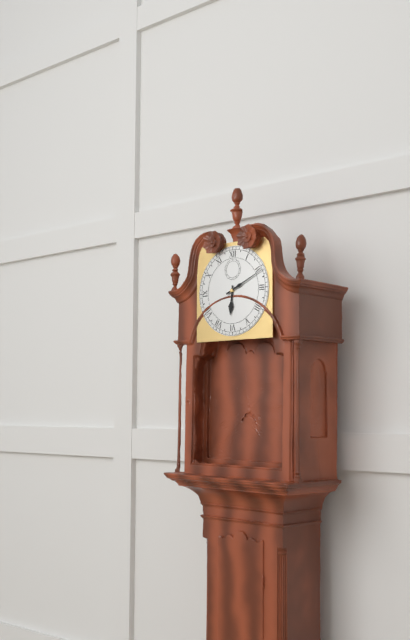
6 h 11 min
